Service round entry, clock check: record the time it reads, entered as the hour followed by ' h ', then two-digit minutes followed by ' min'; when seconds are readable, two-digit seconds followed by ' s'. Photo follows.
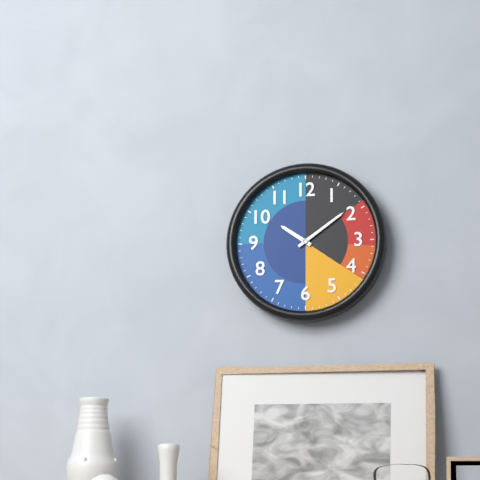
10 h 09 min
